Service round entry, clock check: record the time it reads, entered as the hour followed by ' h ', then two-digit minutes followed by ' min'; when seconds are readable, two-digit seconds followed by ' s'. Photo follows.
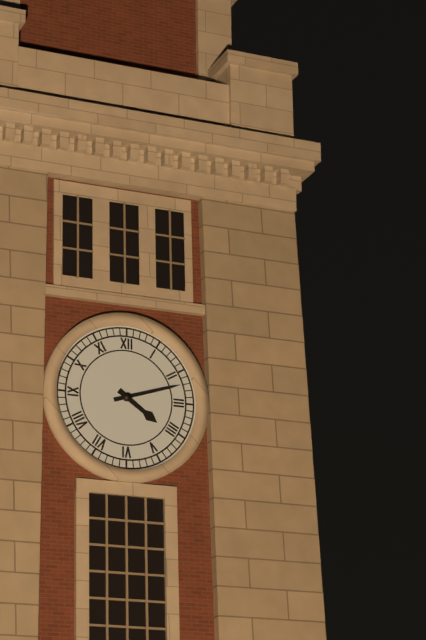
4 h 12 min
